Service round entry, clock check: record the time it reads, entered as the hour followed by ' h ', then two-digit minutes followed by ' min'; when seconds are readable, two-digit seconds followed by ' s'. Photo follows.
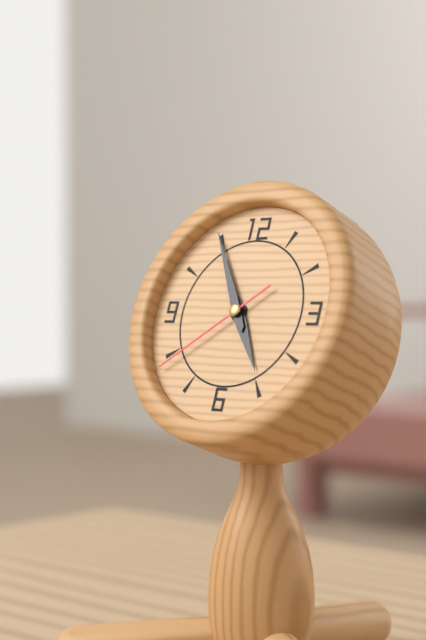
4 h 55 min 39 s
